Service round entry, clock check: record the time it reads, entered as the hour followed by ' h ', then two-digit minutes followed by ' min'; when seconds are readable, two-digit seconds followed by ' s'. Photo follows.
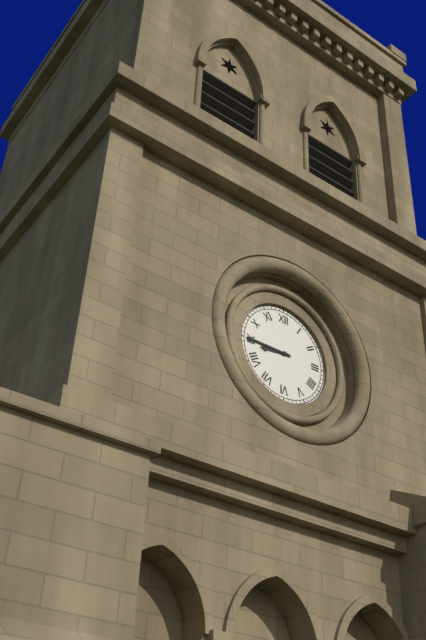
8 h 45 min
